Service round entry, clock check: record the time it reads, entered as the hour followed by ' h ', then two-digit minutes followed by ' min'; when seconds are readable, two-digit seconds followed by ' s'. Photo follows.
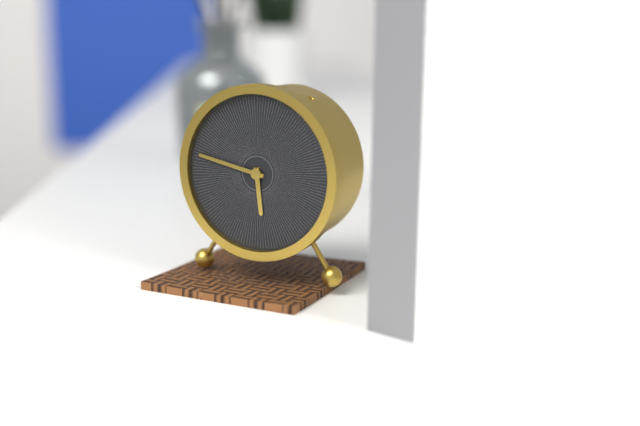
5 h 47 min
